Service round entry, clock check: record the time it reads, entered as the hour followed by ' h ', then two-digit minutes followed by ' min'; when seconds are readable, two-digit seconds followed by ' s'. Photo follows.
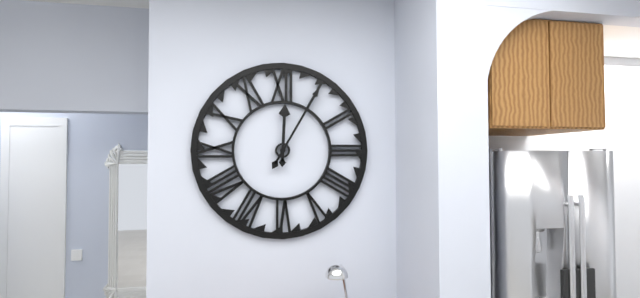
12 h 05 min
